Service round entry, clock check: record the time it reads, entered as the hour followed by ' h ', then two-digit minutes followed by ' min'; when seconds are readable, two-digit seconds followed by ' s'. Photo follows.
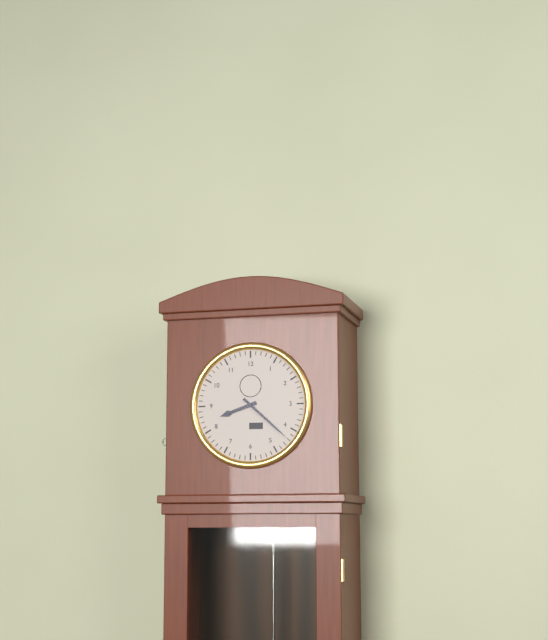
8 h 22 min
